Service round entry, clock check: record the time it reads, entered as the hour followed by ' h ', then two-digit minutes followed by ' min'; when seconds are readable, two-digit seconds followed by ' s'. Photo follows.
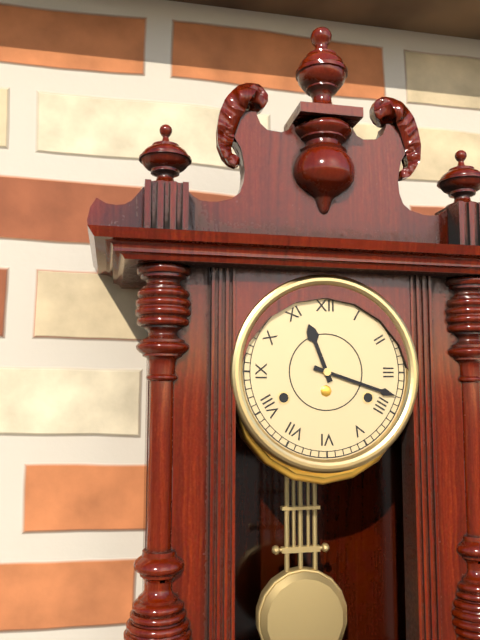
11 h 18 min
